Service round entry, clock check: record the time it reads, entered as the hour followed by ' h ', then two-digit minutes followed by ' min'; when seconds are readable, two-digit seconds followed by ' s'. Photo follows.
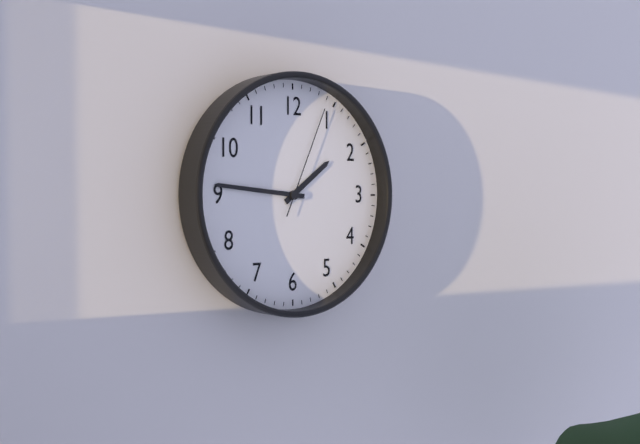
1 h 46 min 04 s
